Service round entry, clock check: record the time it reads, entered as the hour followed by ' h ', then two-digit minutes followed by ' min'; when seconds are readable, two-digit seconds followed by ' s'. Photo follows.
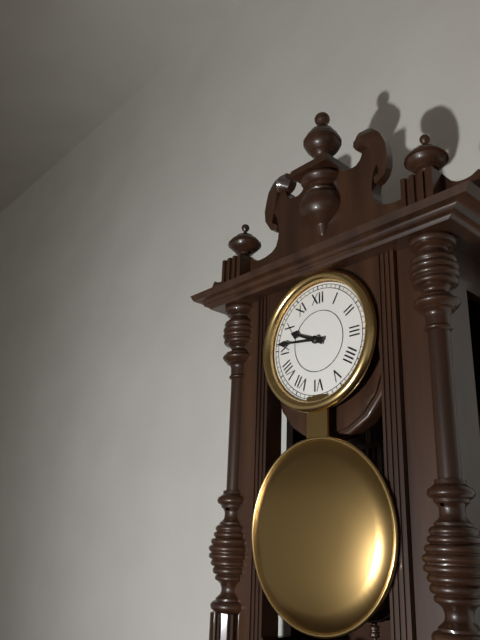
9 h 46 min
